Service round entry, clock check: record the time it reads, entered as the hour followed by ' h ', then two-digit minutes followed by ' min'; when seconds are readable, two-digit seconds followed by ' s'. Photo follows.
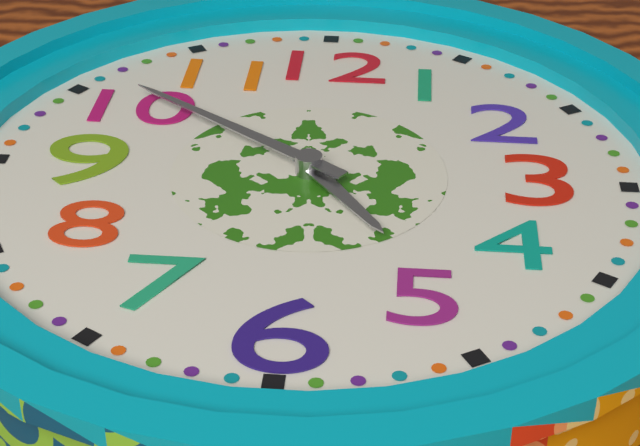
4 h 51 min
